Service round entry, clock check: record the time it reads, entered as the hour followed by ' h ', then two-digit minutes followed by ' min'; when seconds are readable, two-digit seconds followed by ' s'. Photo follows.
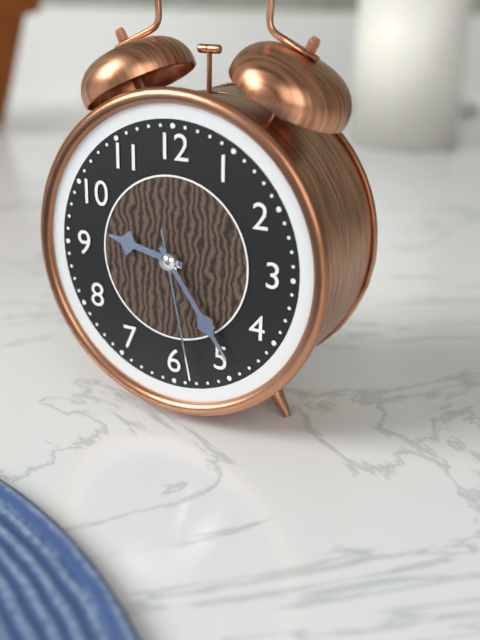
9 h 24 min 28 s
